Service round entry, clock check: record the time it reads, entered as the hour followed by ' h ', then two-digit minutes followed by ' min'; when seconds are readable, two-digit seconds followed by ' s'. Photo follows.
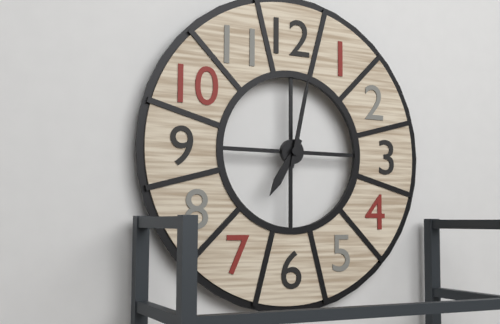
7 h 02 min
